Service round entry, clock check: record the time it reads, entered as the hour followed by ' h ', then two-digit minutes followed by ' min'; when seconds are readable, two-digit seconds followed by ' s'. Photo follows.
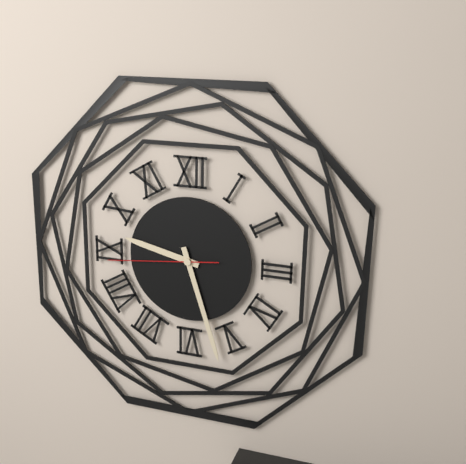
9 h 27 min 44 s
